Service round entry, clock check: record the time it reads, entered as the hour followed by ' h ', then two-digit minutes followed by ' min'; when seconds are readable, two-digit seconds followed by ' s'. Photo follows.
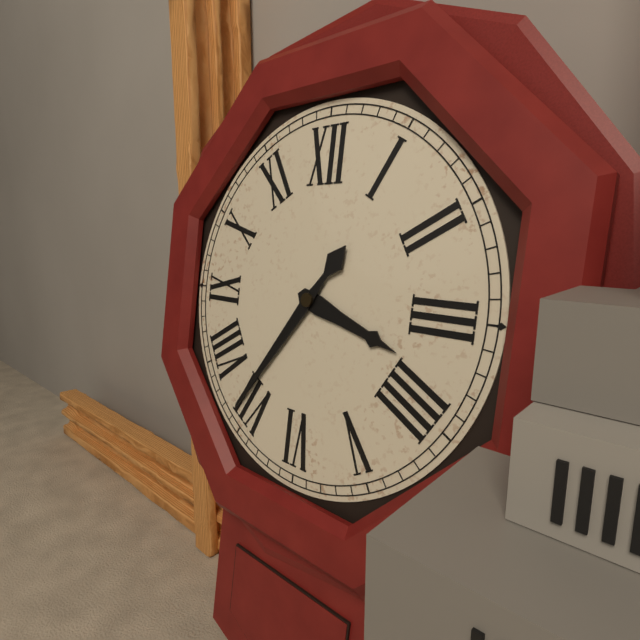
3 h 36 min
